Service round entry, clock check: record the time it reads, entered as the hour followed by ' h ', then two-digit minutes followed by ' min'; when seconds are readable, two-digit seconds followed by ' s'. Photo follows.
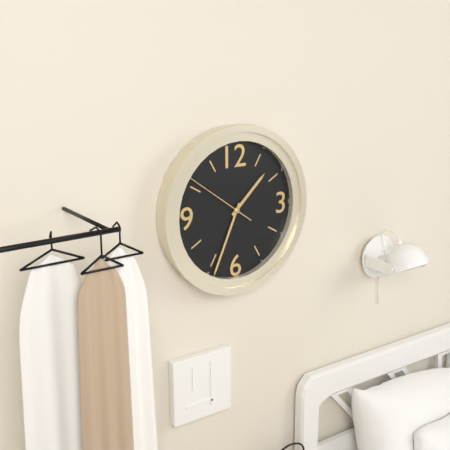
1 h 34 min 51 s
